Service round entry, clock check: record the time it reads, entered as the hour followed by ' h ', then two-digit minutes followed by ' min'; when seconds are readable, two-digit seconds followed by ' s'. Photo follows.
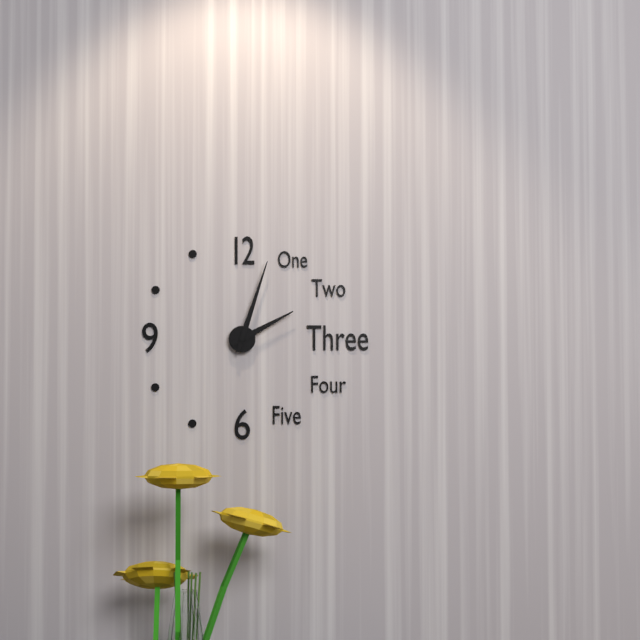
2 h 03 min
